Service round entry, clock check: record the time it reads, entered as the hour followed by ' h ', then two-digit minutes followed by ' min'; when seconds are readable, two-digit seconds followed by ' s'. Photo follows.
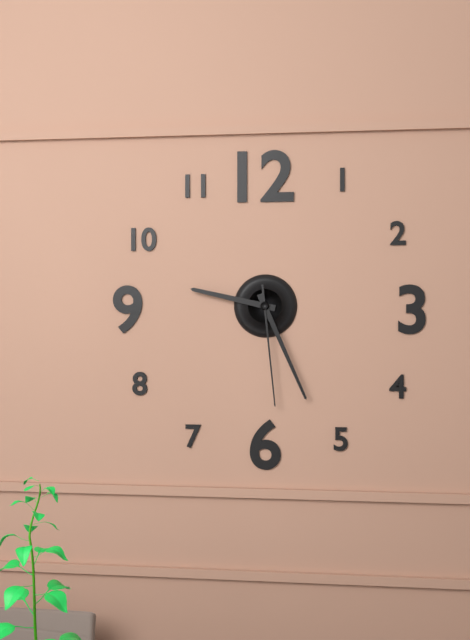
9 h 26 min 29 s
